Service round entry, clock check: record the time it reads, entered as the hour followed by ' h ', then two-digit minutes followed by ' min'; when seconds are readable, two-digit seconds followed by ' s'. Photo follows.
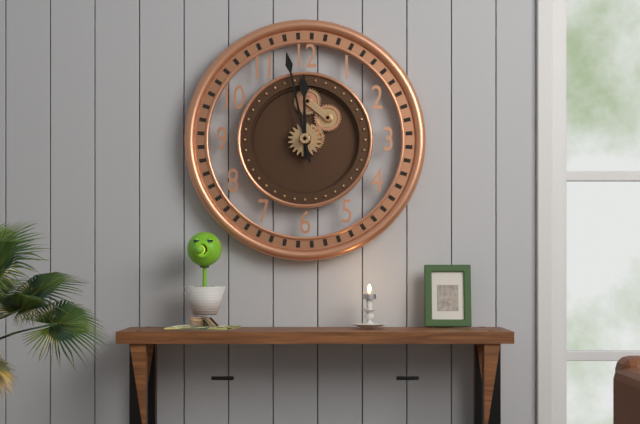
11 h 58 min
